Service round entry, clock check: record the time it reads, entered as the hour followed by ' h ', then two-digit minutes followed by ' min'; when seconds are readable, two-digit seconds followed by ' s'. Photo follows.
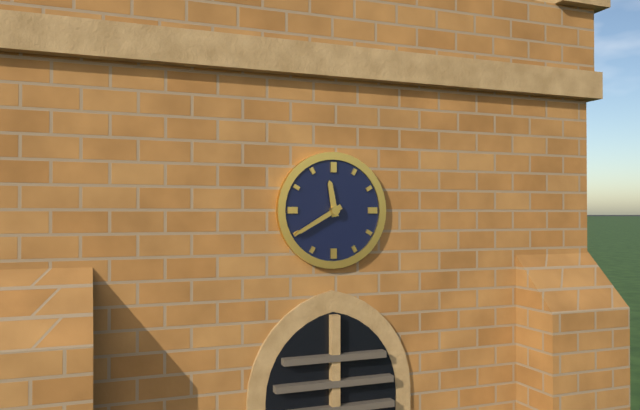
11 h 40 min
